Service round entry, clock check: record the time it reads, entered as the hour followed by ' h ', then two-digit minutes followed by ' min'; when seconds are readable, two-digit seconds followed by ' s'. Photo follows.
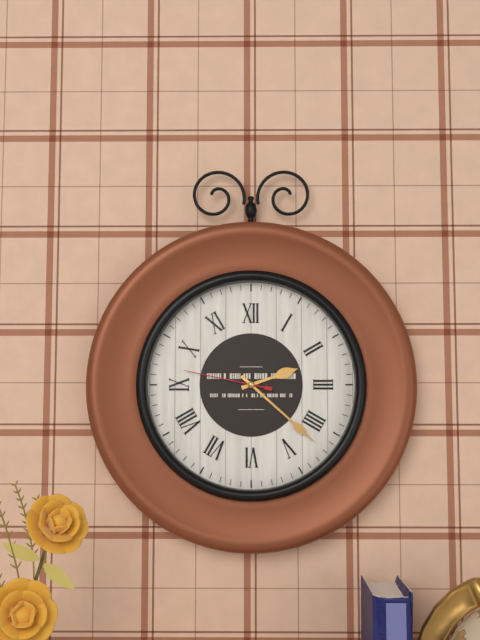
2 h 22 min 47 s
